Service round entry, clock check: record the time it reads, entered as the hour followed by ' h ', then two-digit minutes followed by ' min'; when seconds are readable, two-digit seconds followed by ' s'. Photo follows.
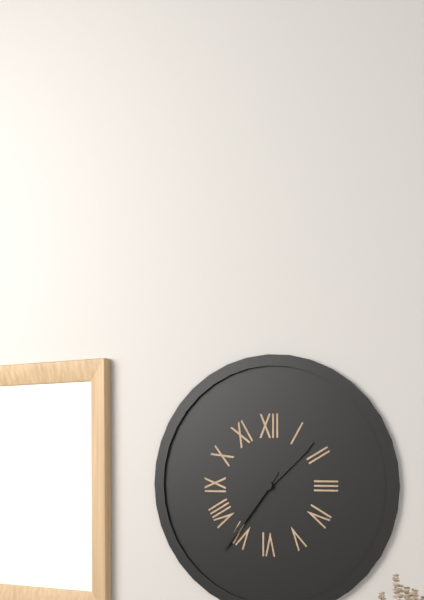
1 h 36 min
